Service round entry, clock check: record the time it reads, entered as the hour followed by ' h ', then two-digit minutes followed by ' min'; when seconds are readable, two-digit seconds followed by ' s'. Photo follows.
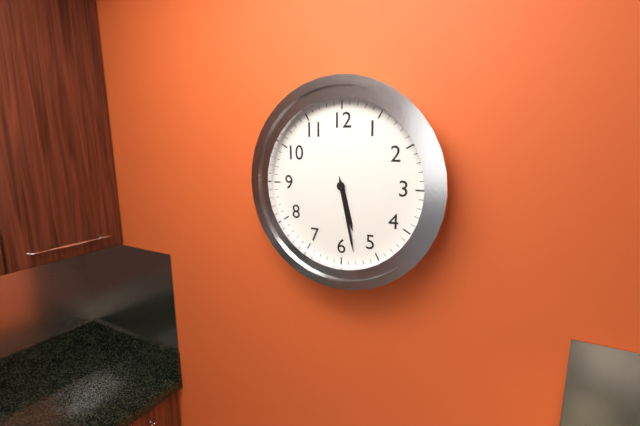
5 h 28 min
